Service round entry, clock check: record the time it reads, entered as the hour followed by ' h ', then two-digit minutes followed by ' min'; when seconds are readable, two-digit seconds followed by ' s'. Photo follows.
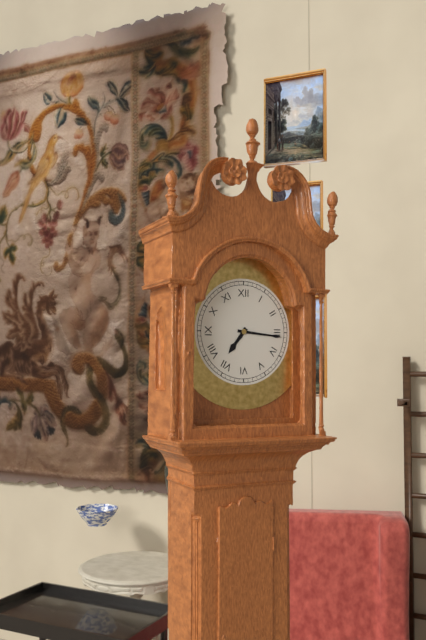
7 h 16 min
